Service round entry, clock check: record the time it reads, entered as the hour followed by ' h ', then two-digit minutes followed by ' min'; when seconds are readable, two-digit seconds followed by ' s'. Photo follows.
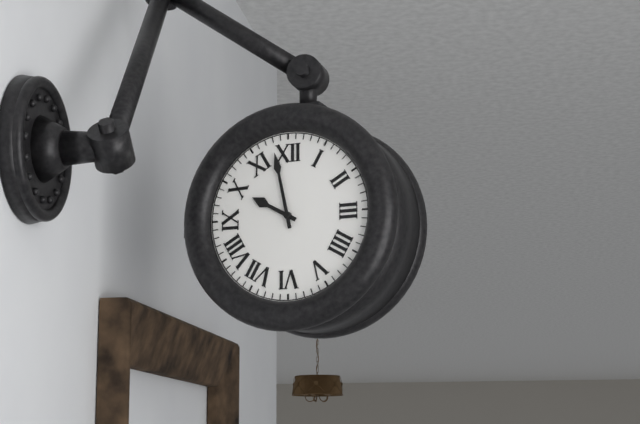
9 h 58 min
